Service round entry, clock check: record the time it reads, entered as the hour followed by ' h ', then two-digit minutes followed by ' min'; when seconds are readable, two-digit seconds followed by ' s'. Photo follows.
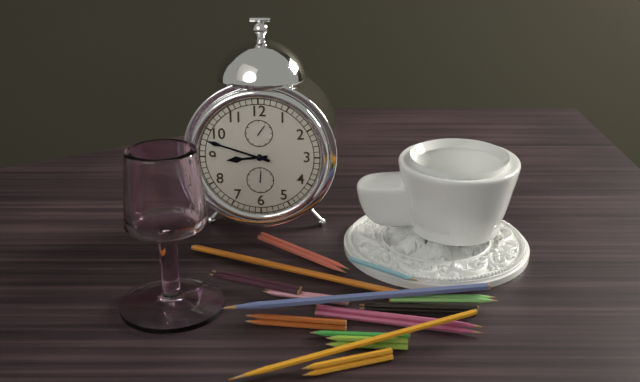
8 h 48 min
